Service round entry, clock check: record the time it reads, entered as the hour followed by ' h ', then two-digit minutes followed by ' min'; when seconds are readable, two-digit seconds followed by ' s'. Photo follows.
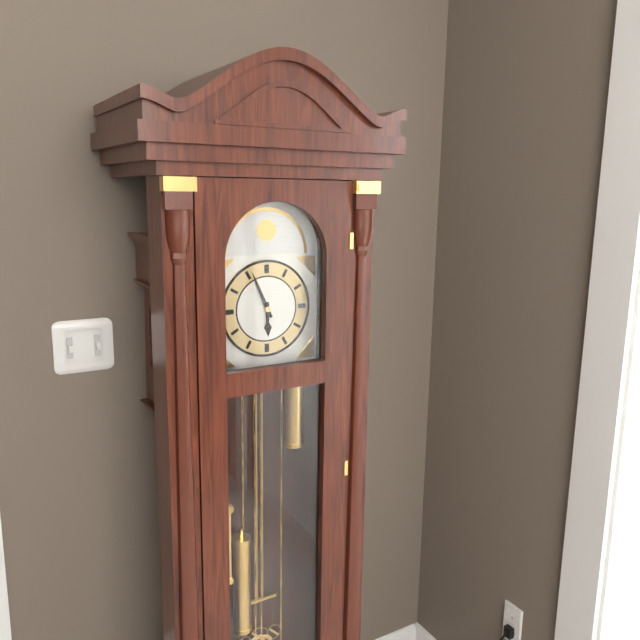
5 h 56 min
